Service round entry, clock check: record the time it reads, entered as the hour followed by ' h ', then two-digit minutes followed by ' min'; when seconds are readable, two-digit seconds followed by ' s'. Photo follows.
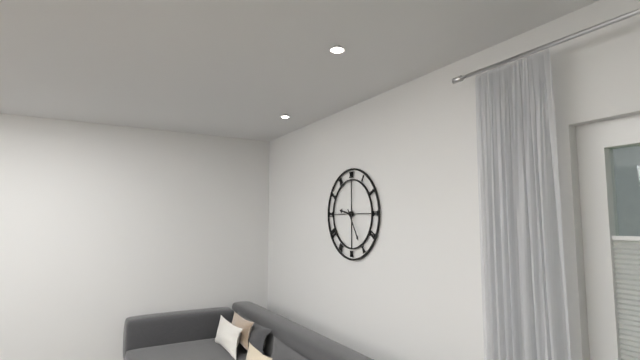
9 h 25 min
